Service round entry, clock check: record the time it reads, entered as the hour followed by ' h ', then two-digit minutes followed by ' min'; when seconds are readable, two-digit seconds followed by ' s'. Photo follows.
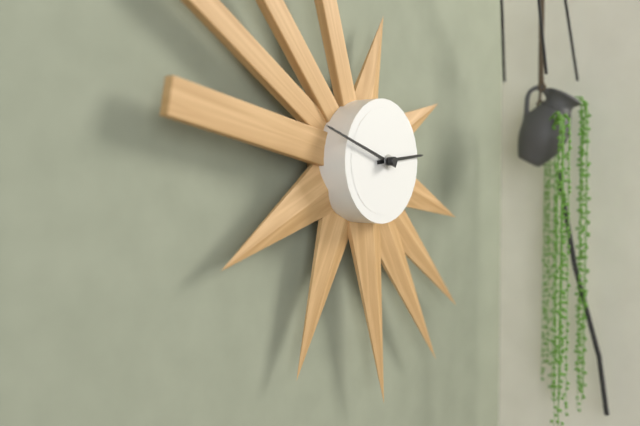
2 h 48 min
